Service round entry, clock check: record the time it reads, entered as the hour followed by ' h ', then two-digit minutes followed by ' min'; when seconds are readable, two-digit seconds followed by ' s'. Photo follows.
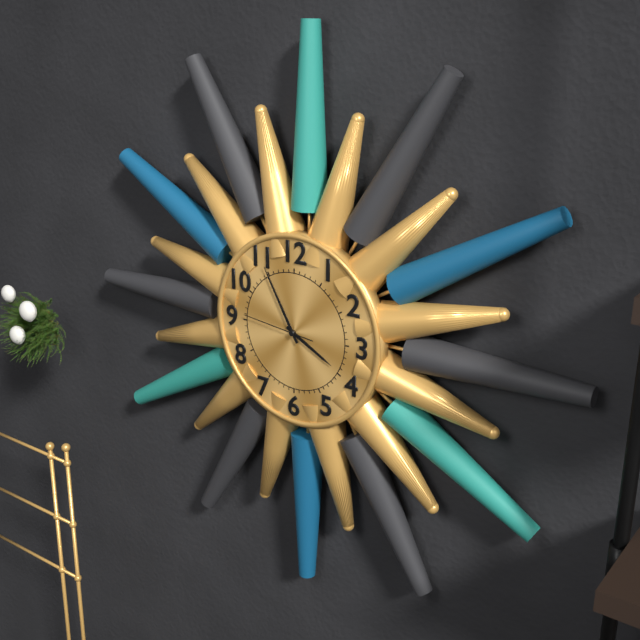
3 h 55 min 46 s
